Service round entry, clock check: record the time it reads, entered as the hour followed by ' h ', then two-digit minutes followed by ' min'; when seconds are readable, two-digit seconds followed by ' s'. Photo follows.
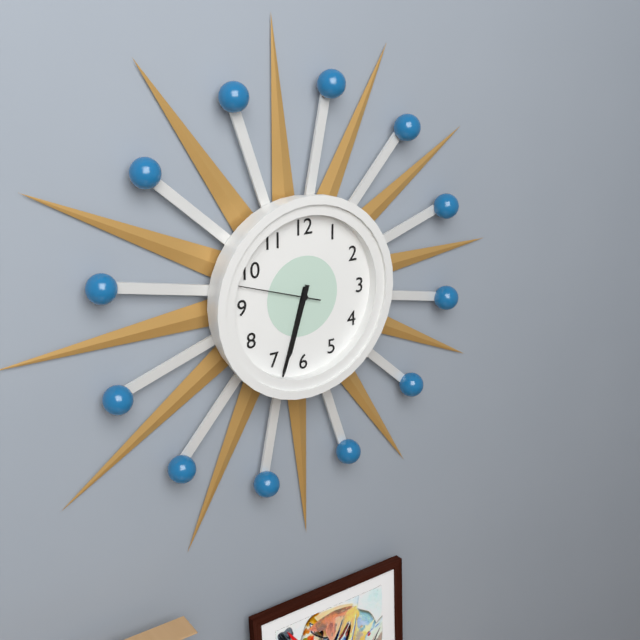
6 h 33 min 48 s
